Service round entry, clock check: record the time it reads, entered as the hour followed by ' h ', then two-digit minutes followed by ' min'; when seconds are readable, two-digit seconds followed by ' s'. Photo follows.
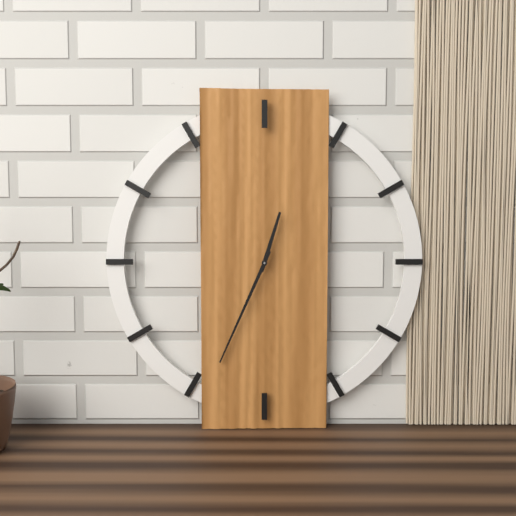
12 h 34 min
